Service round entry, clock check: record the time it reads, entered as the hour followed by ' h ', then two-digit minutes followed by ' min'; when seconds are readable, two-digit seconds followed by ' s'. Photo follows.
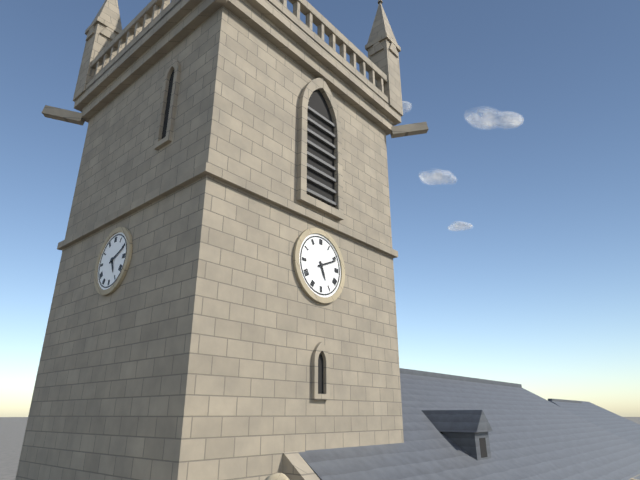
5 h 11 min
